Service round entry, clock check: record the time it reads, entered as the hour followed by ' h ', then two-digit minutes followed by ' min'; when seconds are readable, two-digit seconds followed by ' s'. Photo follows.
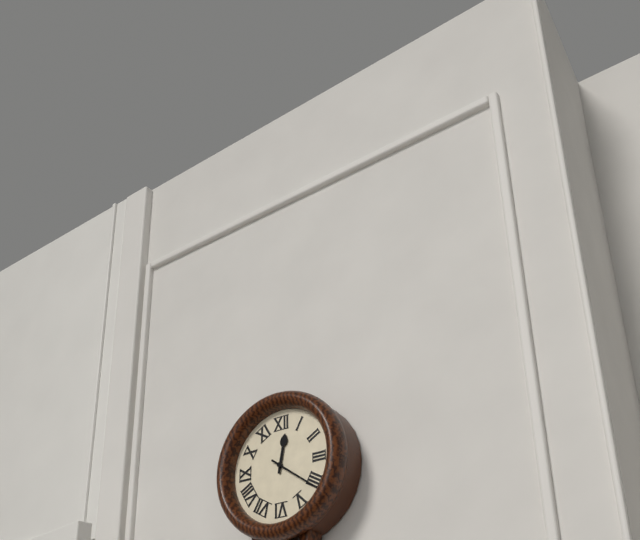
12 h 21 min
